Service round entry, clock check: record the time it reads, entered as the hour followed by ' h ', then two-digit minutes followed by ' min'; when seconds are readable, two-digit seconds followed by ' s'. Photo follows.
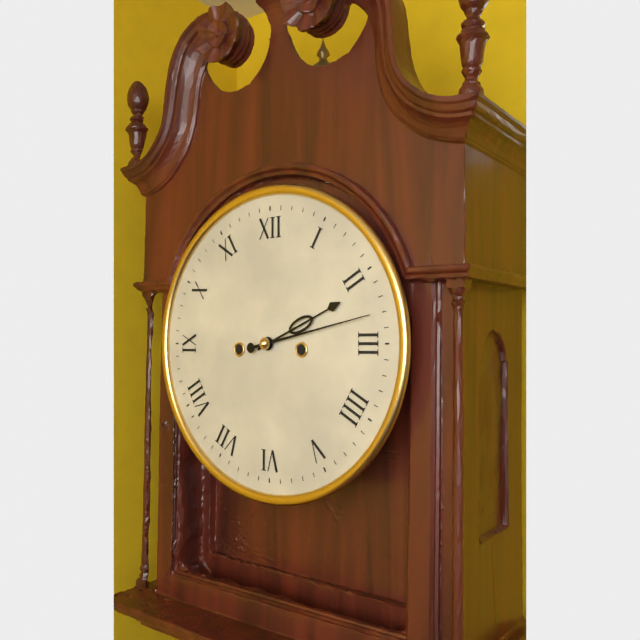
2 h 13 min
